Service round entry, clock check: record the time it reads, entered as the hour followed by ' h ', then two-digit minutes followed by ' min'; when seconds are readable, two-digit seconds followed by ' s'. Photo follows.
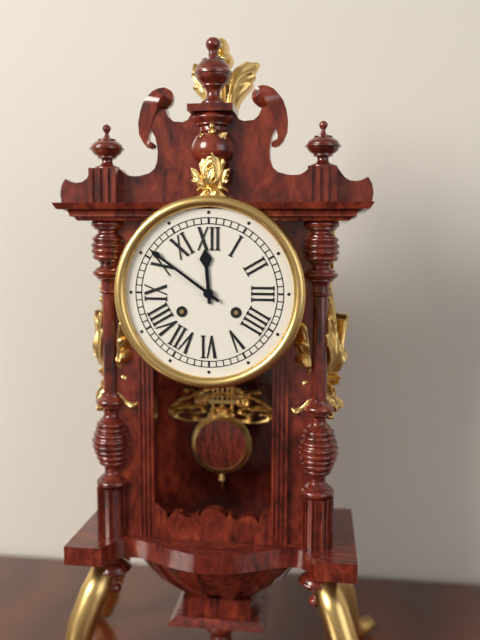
11 h 51 min
